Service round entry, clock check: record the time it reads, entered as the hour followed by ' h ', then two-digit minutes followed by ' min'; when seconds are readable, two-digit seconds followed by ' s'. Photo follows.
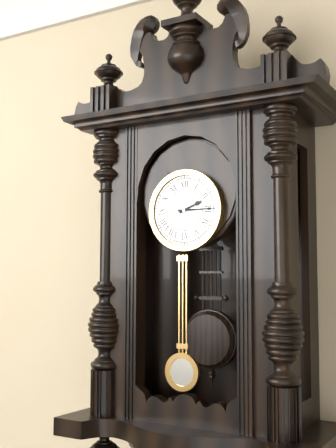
2 h 15 min
